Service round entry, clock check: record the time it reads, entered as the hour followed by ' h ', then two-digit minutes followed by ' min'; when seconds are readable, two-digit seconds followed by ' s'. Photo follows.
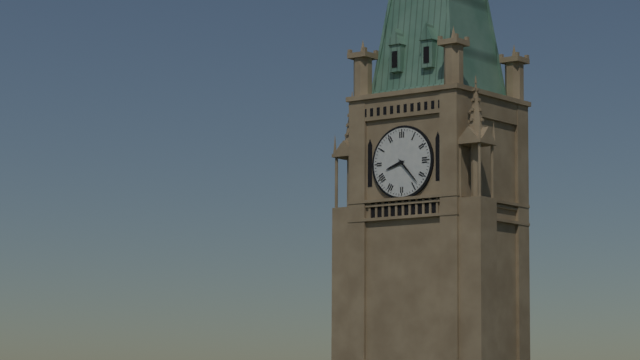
8 h 23 min
